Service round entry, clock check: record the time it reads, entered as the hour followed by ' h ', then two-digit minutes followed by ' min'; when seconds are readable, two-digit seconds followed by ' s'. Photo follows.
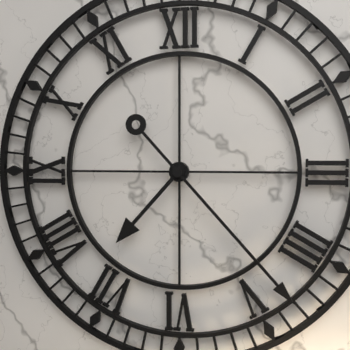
7 h 23 min
